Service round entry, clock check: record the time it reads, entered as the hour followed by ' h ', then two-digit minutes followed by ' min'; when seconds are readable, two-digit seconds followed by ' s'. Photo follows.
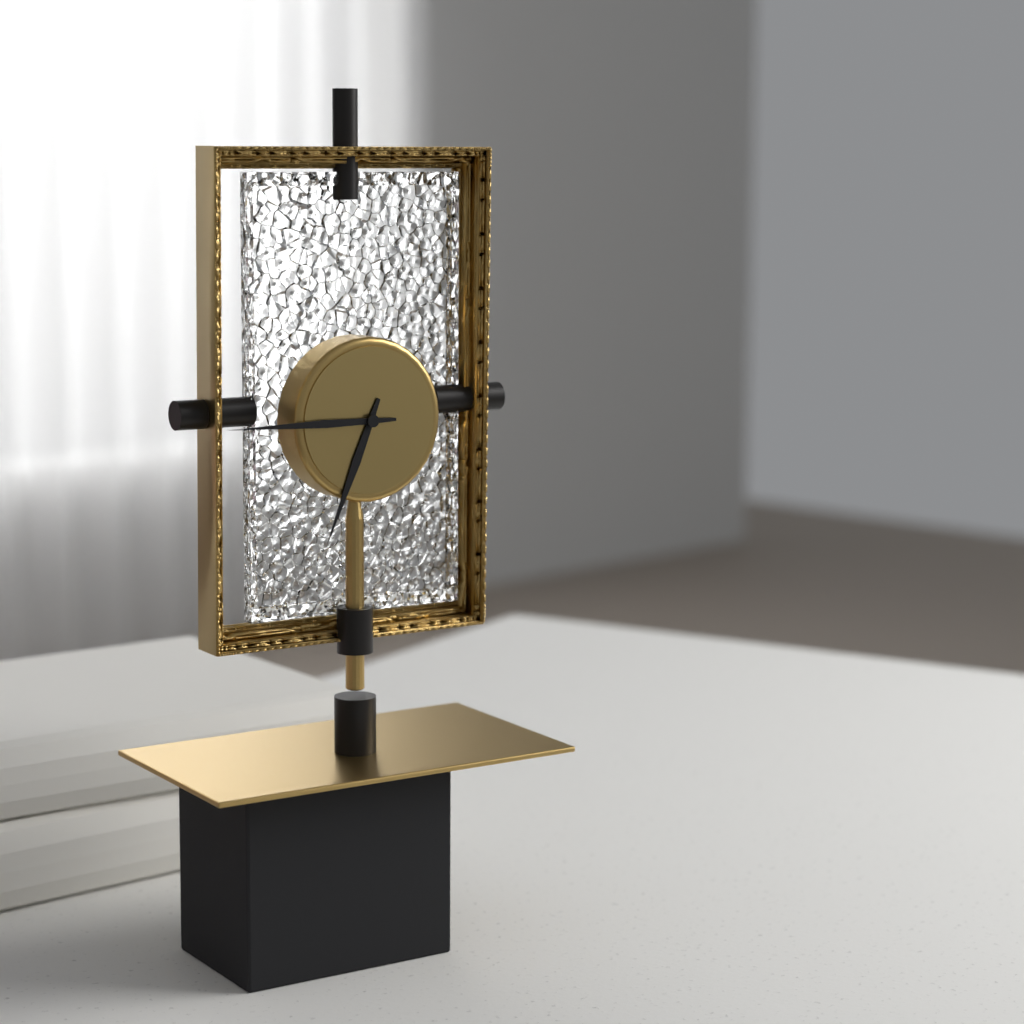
6 h 45 min
